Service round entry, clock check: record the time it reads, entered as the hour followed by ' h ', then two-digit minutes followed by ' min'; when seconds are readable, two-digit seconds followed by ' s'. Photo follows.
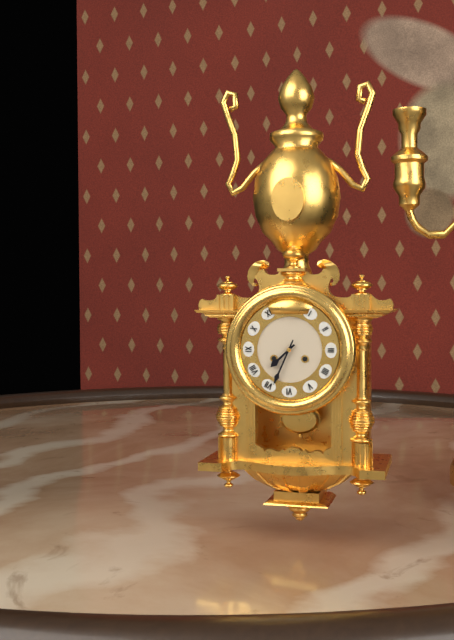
7 h 34 min
